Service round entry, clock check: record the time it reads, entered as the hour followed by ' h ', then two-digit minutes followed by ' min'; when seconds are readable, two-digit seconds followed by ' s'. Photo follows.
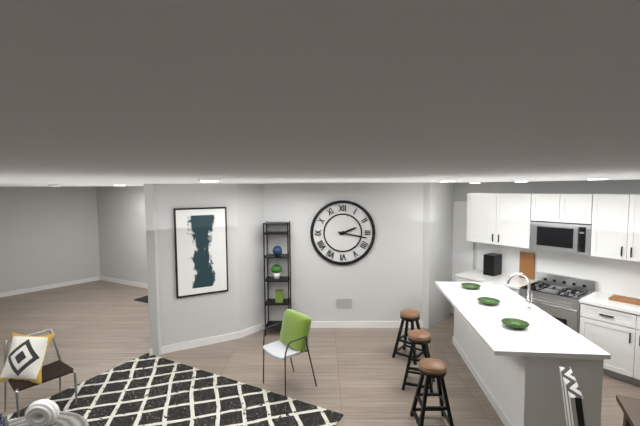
2 h 17 min
